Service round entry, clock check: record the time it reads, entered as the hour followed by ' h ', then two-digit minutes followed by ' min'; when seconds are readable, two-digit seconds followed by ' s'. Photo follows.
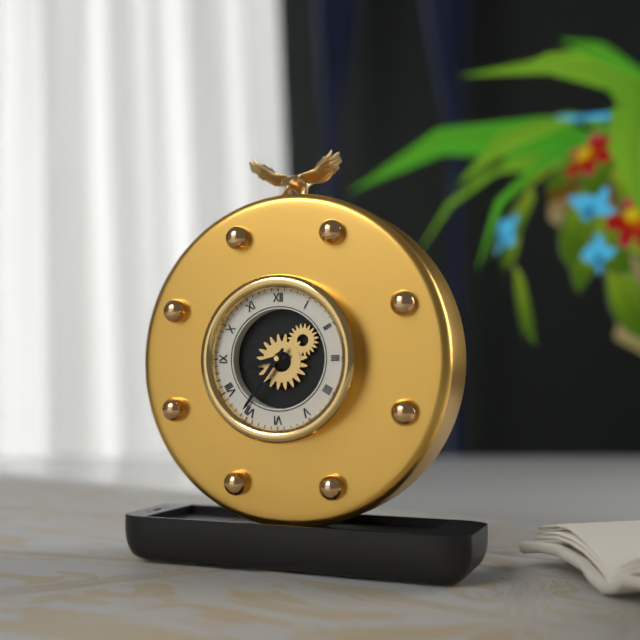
8 h 36 min
